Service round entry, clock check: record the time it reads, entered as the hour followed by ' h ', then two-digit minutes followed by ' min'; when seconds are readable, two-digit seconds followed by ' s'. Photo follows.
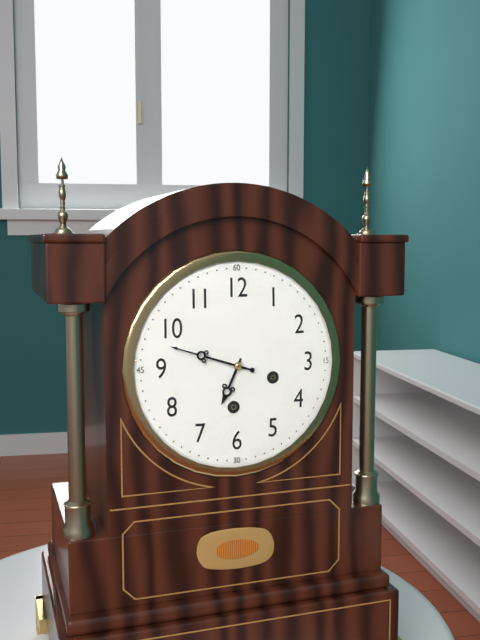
6 h 48 min
